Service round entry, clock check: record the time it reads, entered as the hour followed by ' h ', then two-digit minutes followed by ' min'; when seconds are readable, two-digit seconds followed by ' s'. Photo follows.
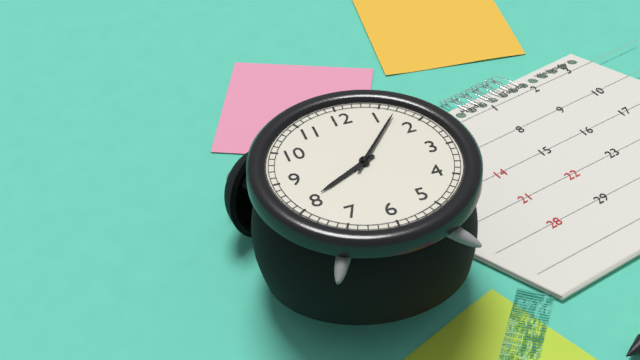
8 h 07 min
